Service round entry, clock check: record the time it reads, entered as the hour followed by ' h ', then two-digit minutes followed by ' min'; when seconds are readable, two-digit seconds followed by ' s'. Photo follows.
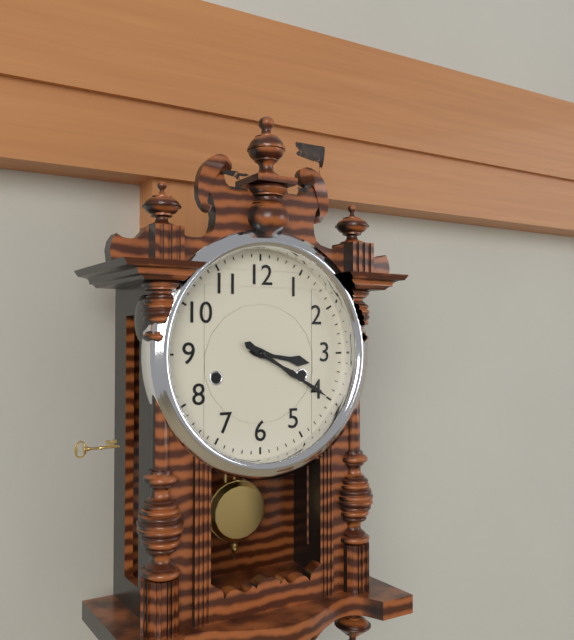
3 h 20 min
